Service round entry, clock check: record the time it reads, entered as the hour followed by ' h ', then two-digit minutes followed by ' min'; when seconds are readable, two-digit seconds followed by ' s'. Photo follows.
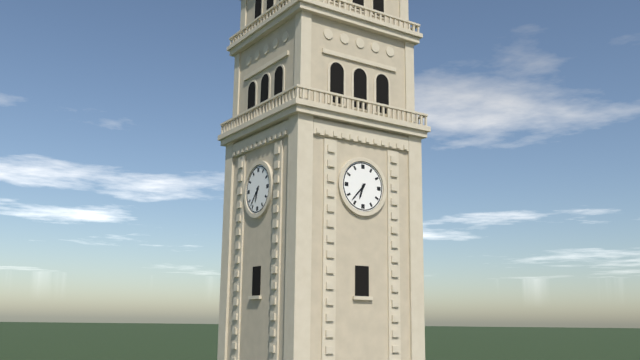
6 h 37 min
